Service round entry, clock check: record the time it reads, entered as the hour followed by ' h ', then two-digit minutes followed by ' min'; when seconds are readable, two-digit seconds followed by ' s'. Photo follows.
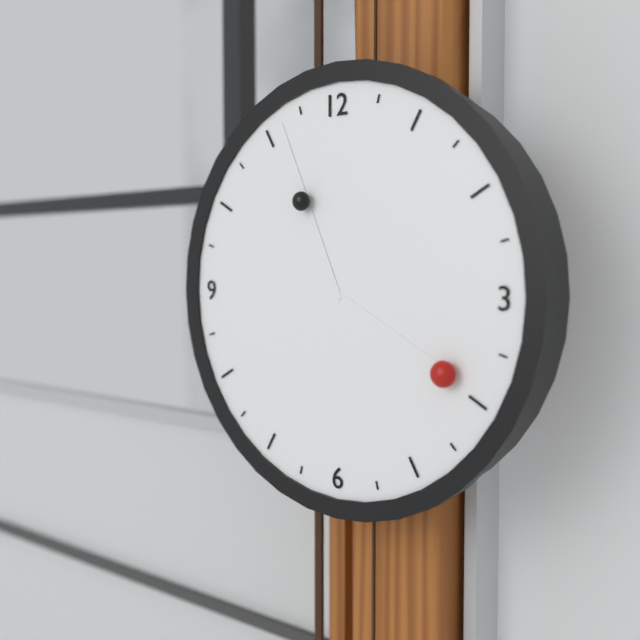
3 h 56 min
